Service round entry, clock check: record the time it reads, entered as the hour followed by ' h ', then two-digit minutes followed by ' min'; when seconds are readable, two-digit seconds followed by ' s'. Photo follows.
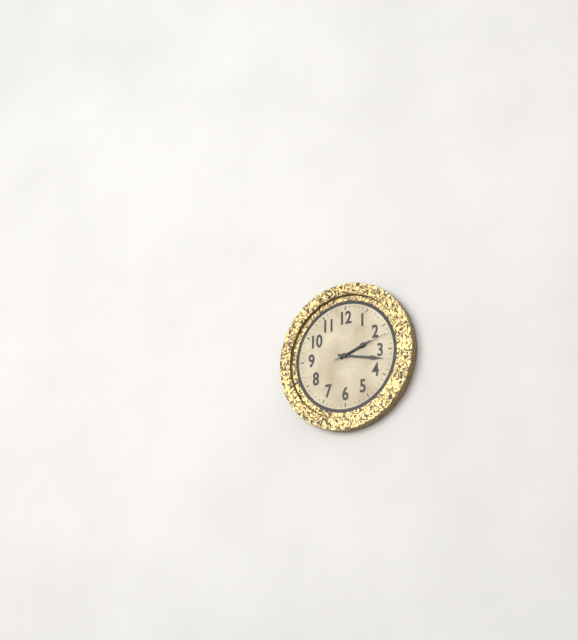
2 h 17 min 12 s
